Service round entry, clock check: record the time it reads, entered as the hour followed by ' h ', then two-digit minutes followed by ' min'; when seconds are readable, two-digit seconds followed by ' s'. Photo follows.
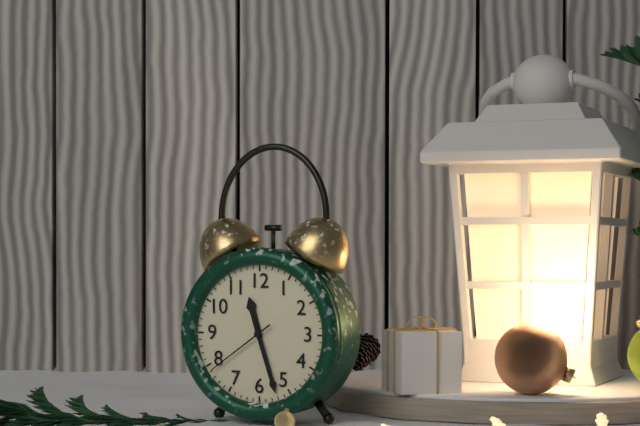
11 h 27 min 39 s
